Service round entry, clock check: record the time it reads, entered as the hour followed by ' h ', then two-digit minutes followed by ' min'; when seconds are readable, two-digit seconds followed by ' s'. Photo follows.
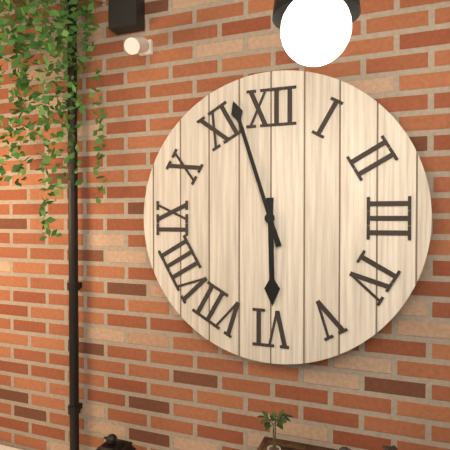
5 h 57 min
